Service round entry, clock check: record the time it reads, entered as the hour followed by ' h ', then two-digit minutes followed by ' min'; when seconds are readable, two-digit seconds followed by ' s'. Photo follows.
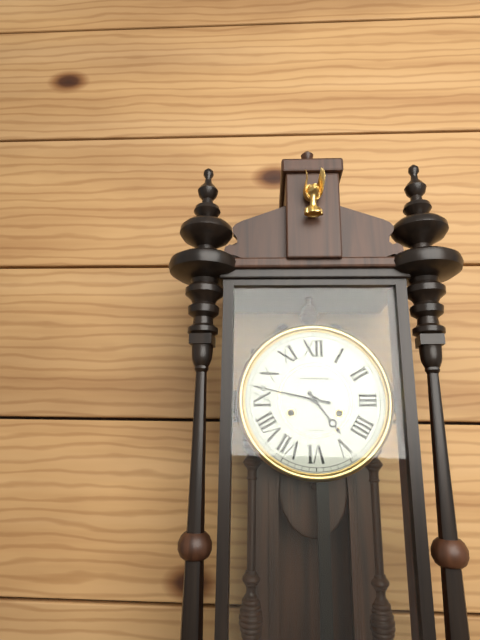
4 h 47 min
